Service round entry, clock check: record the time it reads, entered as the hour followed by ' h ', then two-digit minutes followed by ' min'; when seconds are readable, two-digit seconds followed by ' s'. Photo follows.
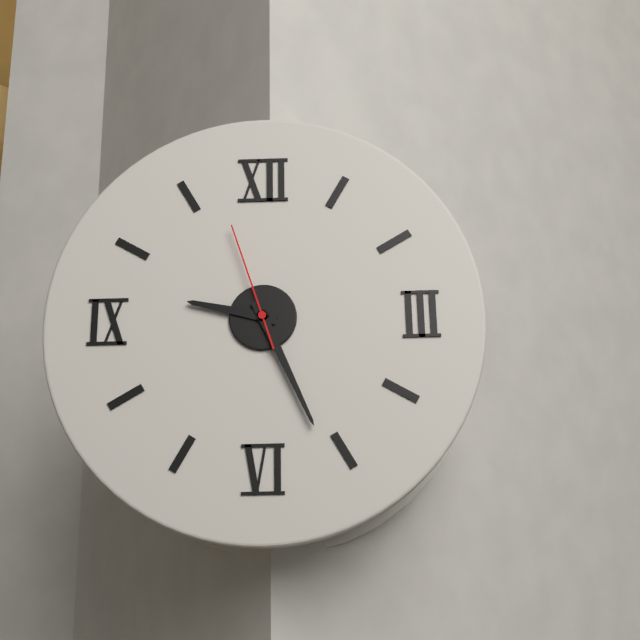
9 h 26 min 57 s
